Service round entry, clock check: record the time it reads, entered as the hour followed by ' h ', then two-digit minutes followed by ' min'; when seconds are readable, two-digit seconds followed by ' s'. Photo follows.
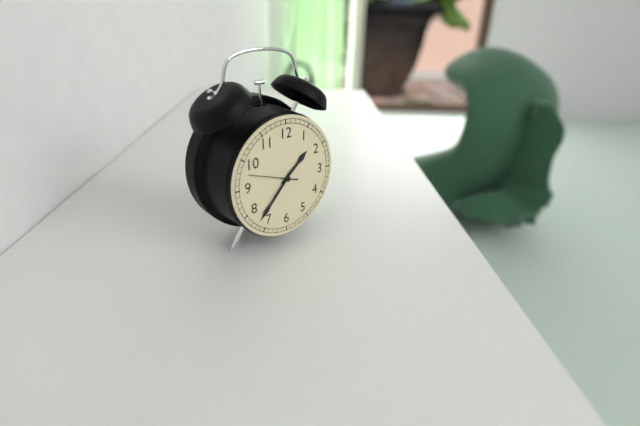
1 h 37 min 48 s
